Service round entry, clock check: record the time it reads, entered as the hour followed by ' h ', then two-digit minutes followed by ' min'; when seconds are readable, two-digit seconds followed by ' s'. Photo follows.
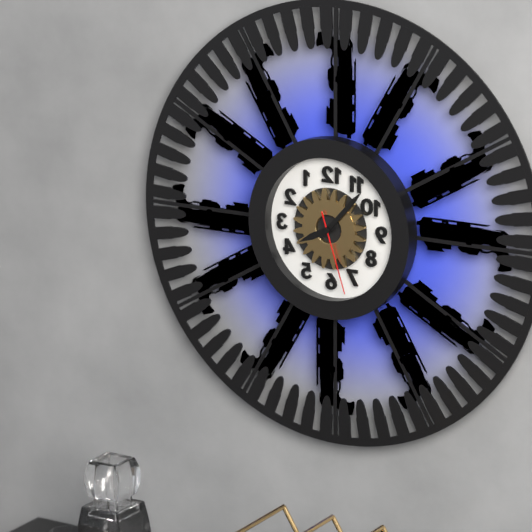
8 h 07 min 27 s
